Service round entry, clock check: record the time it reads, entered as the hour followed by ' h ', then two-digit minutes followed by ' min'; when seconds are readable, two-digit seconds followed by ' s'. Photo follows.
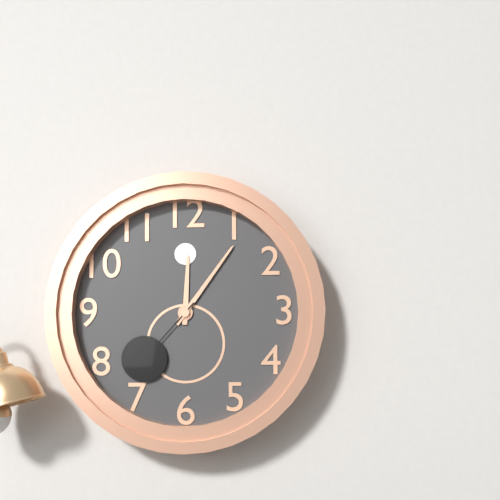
12 h 06 min 37 s
